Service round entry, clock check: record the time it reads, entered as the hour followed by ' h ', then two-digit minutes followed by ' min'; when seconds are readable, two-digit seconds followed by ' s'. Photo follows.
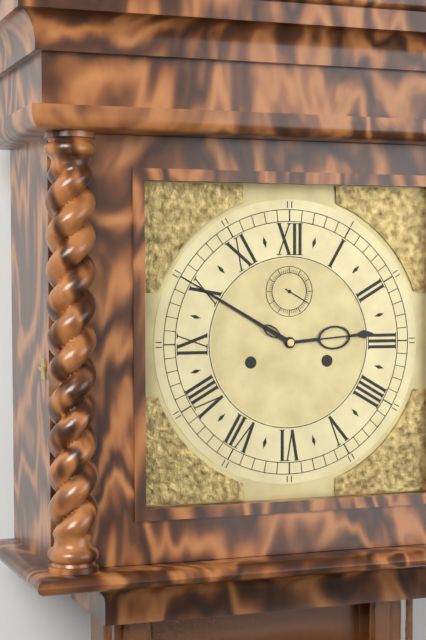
2 h 50 min
